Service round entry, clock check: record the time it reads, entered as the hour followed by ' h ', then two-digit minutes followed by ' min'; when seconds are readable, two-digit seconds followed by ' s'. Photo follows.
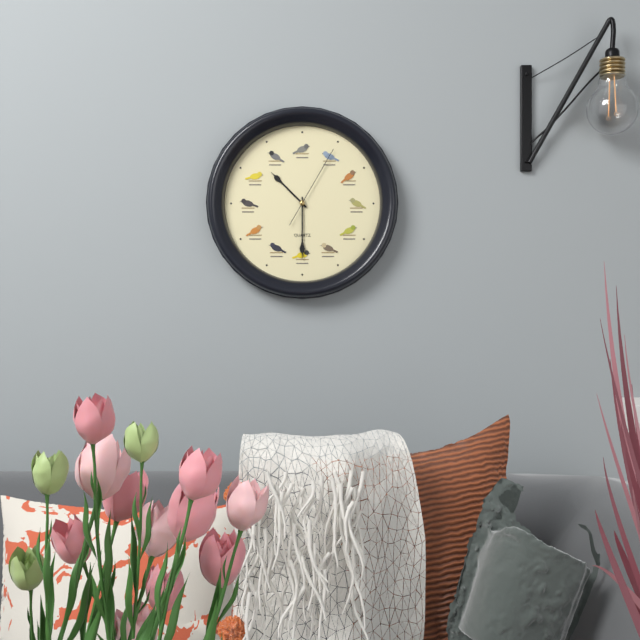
10 h 30 min 05 s
